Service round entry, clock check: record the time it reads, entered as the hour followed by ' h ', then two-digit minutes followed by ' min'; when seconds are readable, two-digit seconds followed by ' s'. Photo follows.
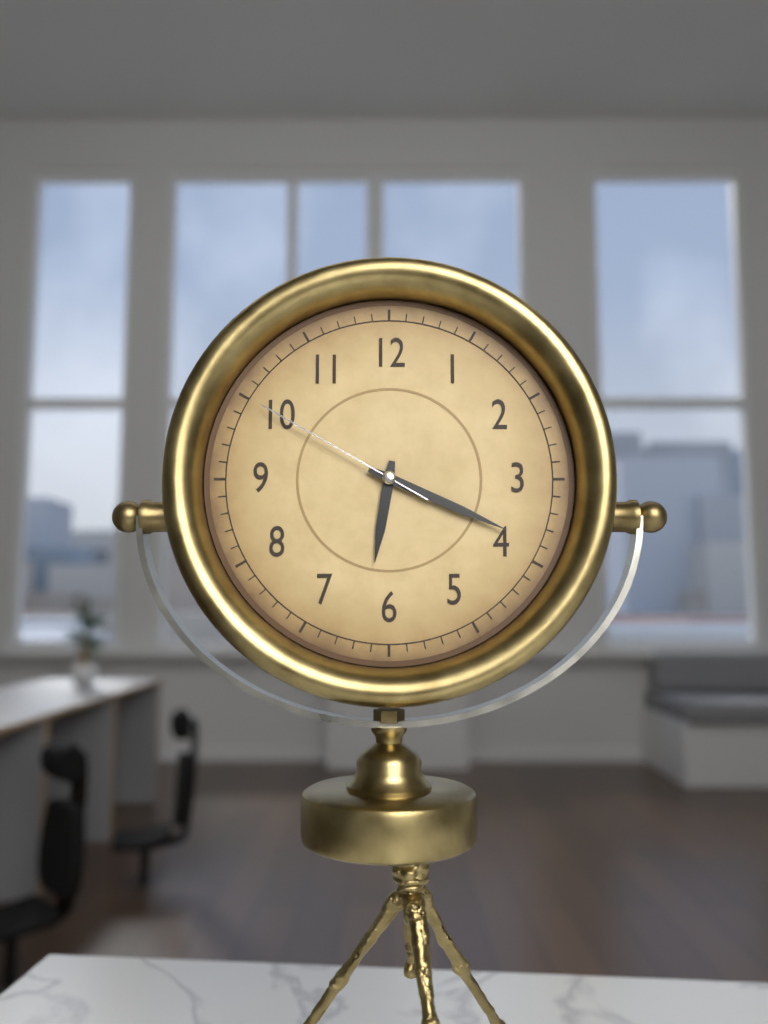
6 h 19 min 50 s
